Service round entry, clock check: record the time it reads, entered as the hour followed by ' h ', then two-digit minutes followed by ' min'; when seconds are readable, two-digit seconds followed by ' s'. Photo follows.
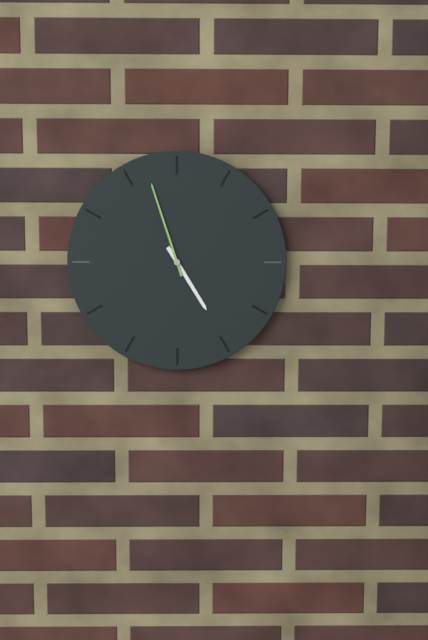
4 h 57 min
